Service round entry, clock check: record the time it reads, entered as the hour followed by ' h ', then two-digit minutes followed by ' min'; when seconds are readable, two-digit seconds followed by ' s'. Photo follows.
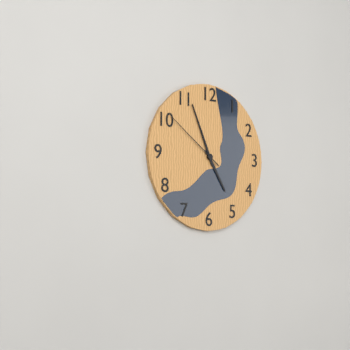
4 h 56 min 51 s
